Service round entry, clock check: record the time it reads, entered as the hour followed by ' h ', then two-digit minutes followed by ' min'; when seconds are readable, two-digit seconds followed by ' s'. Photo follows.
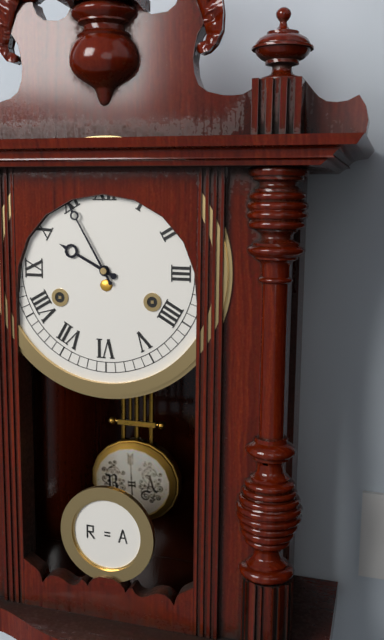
9 h 55 min
